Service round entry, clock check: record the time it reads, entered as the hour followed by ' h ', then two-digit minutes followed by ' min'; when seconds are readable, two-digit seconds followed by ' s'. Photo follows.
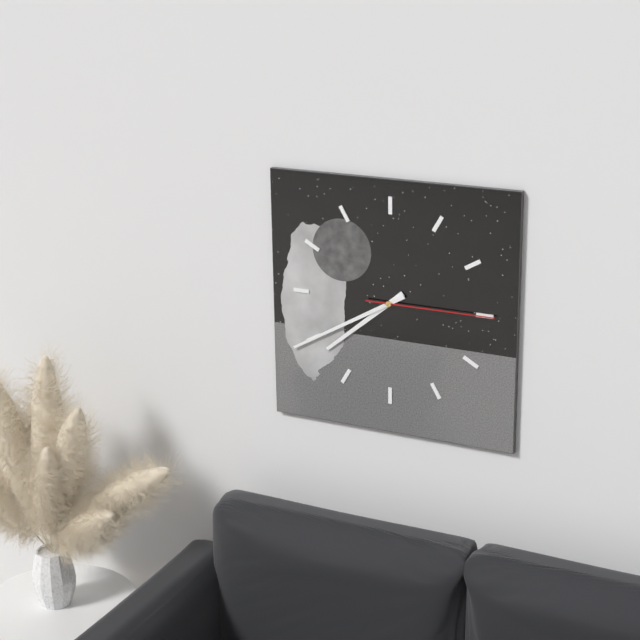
7 h 40 min 15 s
